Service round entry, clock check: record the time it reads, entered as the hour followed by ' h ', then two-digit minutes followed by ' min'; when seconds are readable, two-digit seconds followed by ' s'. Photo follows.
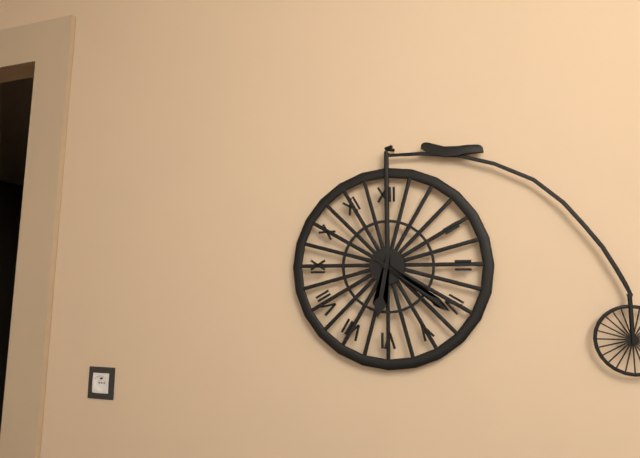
6 h 21 min
